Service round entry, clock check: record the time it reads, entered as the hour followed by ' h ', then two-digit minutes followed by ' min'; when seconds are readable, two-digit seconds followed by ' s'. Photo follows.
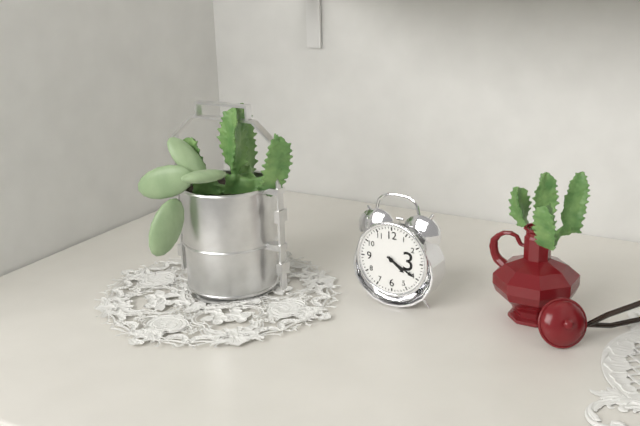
4 h 20 min
